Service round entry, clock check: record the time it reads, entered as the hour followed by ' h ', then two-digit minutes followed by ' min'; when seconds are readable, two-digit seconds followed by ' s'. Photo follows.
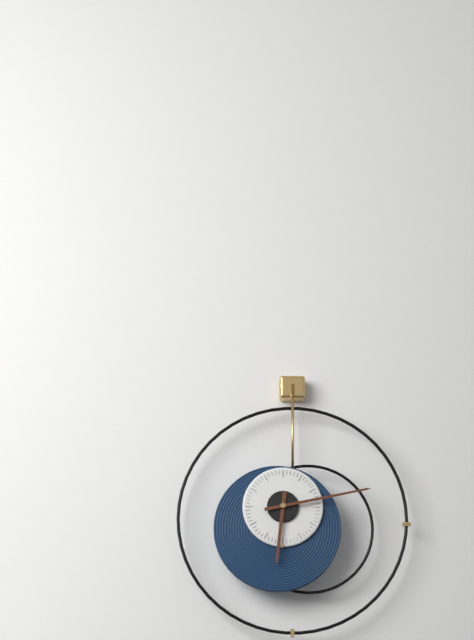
6 h 13 min
